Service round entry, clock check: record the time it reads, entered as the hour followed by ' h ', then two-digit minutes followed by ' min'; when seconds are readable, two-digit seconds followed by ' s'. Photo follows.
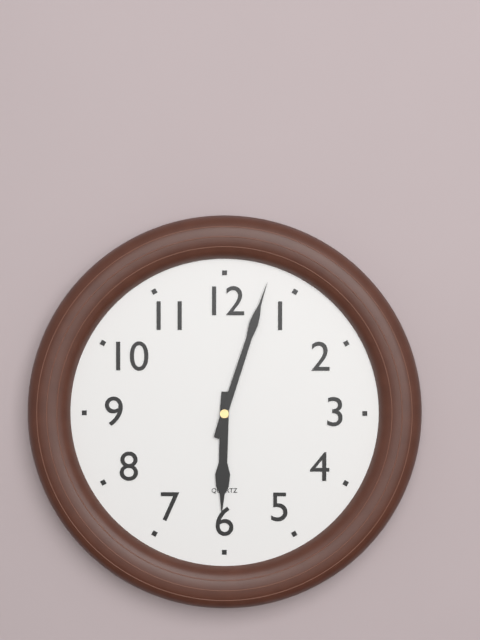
6 h 03 min
